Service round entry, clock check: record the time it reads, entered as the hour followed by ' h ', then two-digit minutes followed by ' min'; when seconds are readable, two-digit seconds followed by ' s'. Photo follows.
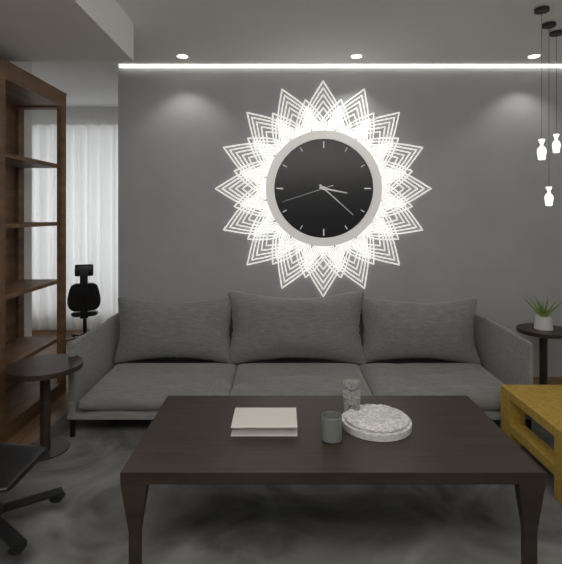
3 h 22 min 42 s
